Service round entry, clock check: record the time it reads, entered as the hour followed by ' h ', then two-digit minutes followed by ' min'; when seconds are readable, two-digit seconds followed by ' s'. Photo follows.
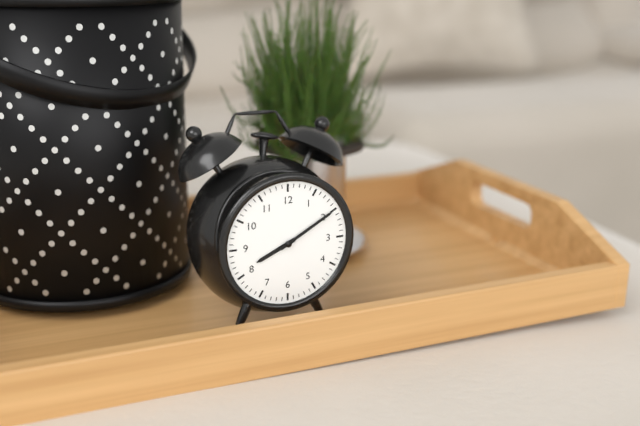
8 h 10 min
